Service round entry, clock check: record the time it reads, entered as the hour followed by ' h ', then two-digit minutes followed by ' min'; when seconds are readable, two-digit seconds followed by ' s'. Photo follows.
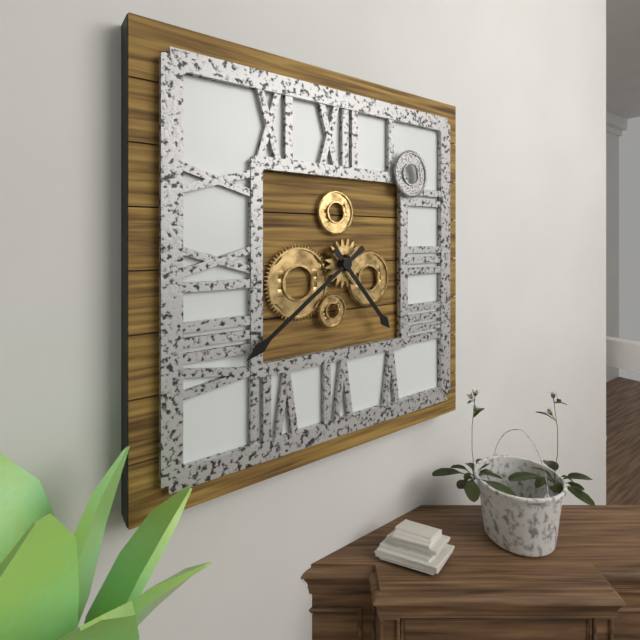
4 h 39 min
